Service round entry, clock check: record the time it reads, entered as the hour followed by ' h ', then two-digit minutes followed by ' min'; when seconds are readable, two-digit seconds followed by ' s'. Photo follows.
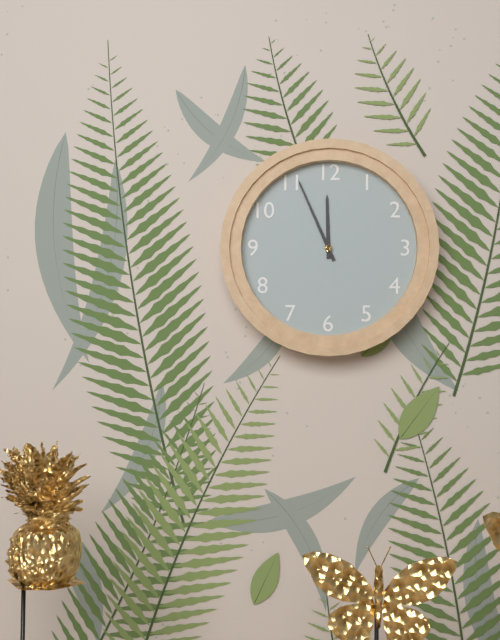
11 h 56 min
